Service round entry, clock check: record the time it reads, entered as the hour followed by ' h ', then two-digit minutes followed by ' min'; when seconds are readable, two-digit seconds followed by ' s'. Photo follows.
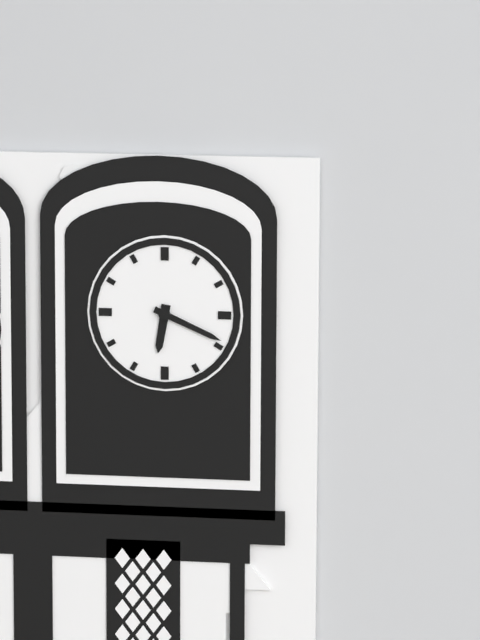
6 h 19 min
